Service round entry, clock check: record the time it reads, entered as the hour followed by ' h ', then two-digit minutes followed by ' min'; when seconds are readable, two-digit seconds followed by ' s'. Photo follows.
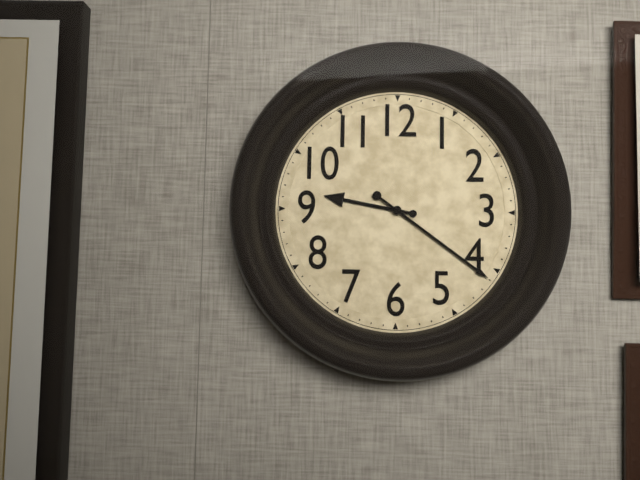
9 h 21 min
